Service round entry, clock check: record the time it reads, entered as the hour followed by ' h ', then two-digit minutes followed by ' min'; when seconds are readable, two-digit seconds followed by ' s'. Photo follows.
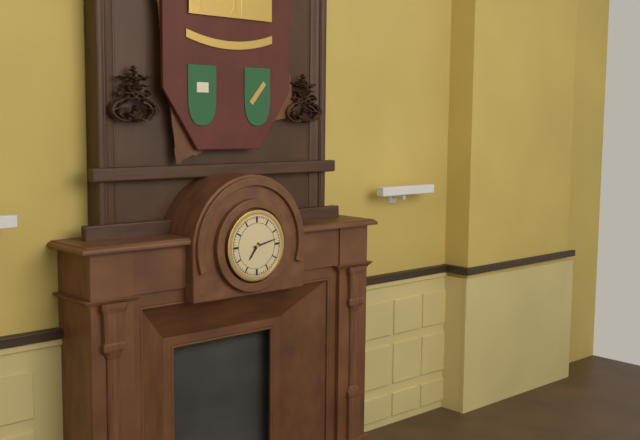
7 h 13 min
